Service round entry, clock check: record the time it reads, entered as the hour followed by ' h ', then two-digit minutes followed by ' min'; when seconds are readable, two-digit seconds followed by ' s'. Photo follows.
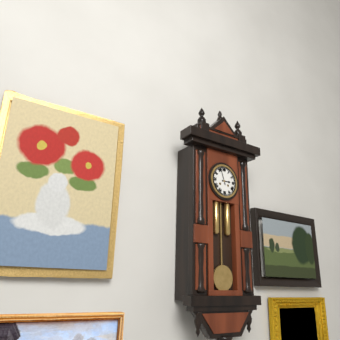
2 h 57 min
